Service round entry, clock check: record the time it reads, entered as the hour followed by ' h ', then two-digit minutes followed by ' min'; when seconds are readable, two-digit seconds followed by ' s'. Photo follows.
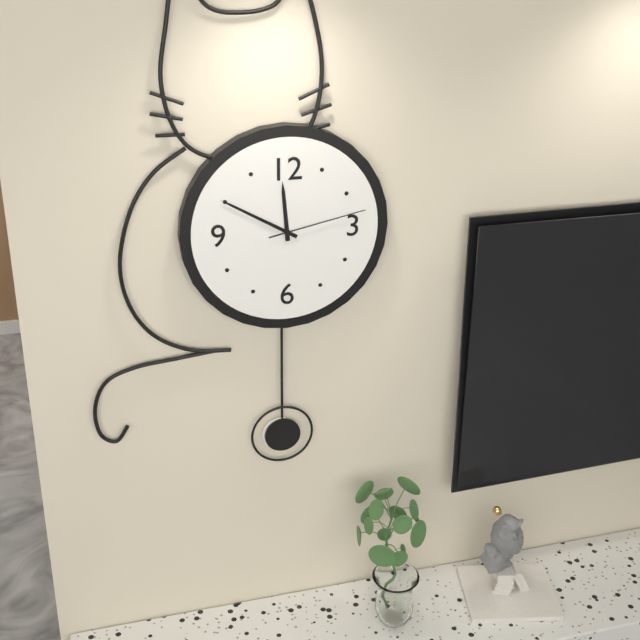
11 h 50 min 13 s
